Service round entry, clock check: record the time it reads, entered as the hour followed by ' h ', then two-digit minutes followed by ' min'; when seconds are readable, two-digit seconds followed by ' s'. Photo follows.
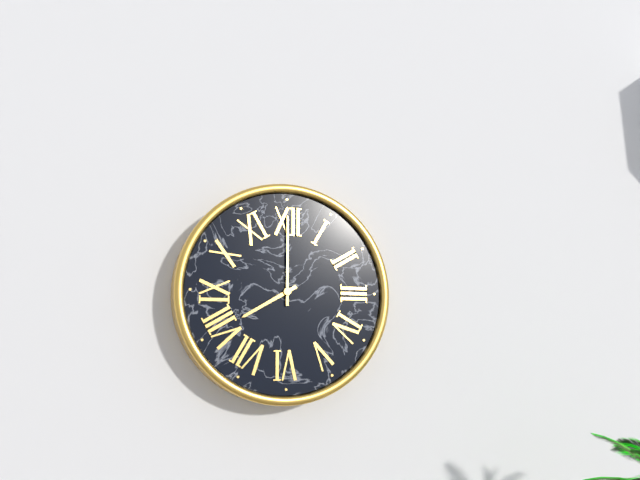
8 h 00 min
